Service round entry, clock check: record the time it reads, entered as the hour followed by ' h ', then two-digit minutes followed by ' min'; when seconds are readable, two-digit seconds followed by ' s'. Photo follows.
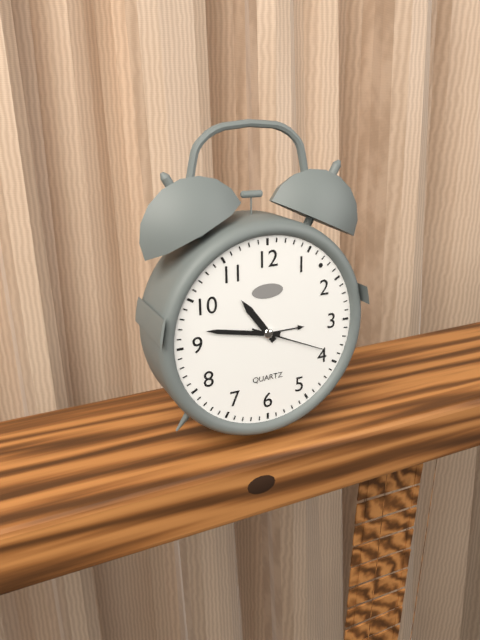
10 h 47 min 19 s
